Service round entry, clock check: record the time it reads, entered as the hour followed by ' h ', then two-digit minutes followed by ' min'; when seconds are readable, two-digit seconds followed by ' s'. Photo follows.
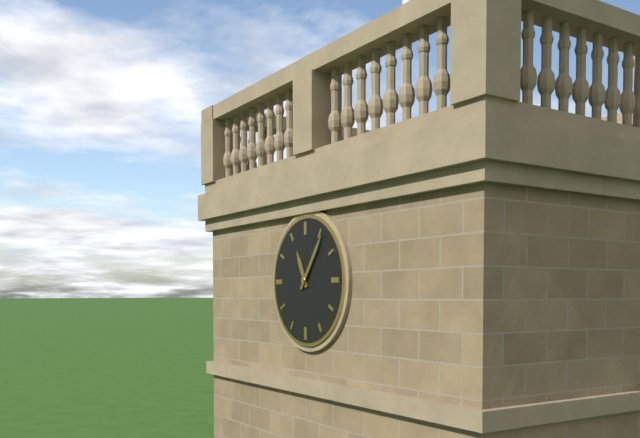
11 h 06 min
